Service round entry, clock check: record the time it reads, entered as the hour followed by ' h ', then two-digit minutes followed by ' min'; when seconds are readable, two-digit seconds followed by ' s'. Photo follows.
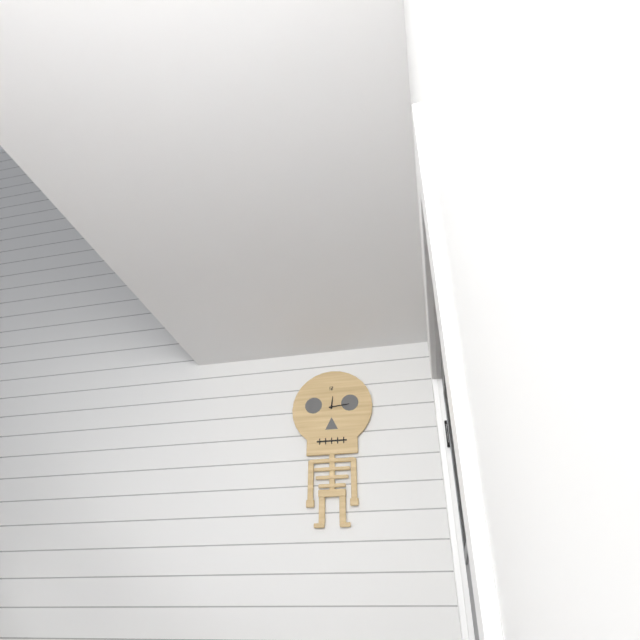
12 h 14 min
